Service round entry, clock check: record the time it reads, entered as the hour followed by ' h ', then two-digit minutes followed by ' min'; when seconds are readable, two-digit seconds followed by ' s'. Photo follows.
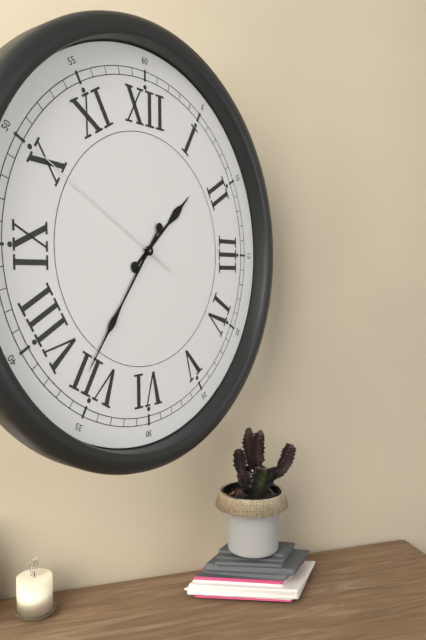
1 h 36 min 50 s
